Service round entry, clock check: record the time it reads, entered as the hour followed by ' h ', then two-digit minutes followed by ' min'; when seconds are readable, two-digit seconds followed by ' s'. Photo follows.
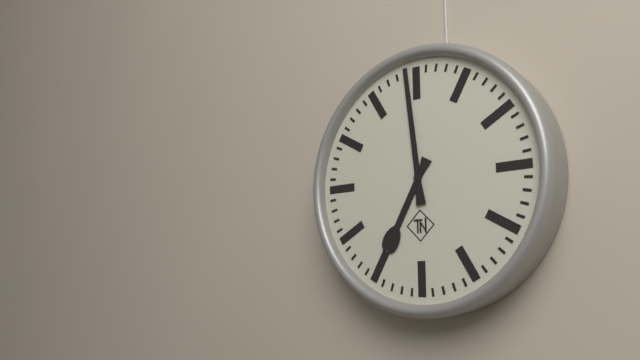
6 h 59 min
